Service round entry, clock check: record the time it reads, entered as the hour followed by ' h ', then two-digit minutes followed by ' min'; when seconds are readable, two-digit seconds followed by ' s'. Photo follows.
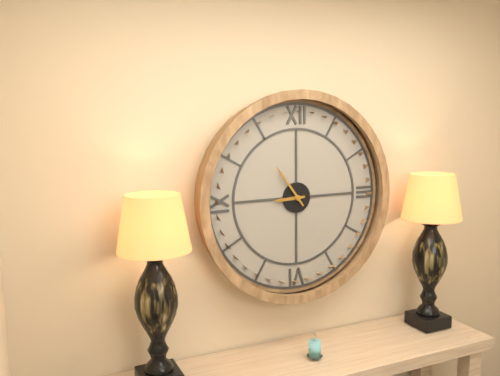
8 h 54 min
